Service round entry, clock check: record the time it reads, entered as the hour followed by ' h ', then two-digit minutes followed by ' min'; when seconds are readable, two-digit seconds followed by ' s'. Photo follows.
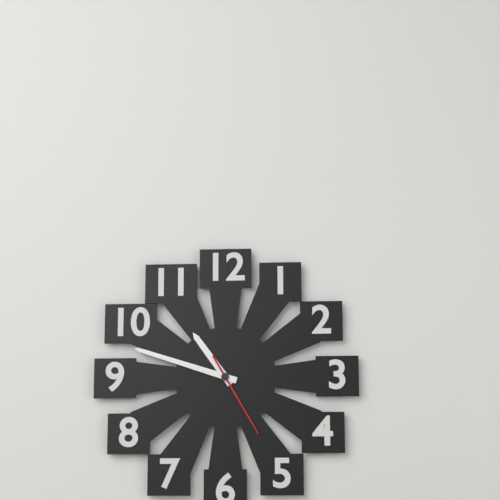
10 h 48 min 25 s
